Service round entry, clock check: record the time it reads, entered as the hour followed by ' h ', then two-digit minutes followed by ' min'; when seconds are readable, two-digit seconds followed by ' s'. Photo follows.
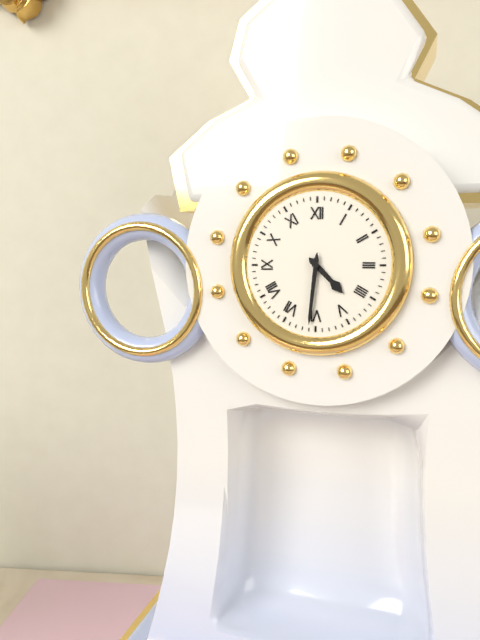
4 h 31 min
